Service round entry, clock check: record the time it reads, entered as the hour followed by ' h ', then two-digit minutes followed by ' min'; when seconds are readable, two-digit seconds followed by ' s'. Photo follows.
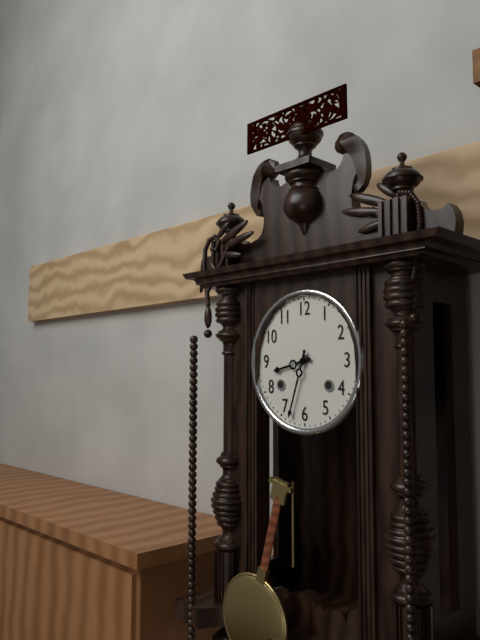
8 h 33 min
